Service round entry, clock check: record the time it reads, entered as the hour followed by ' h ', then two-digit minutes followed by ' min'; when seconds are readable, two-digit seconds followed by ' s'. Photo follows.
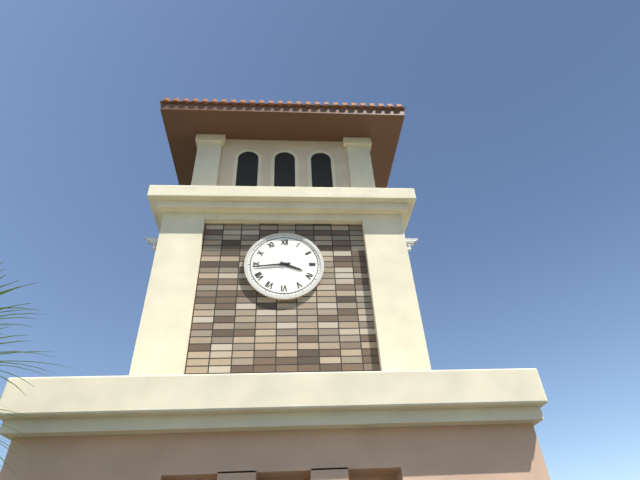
3 h 44 min
